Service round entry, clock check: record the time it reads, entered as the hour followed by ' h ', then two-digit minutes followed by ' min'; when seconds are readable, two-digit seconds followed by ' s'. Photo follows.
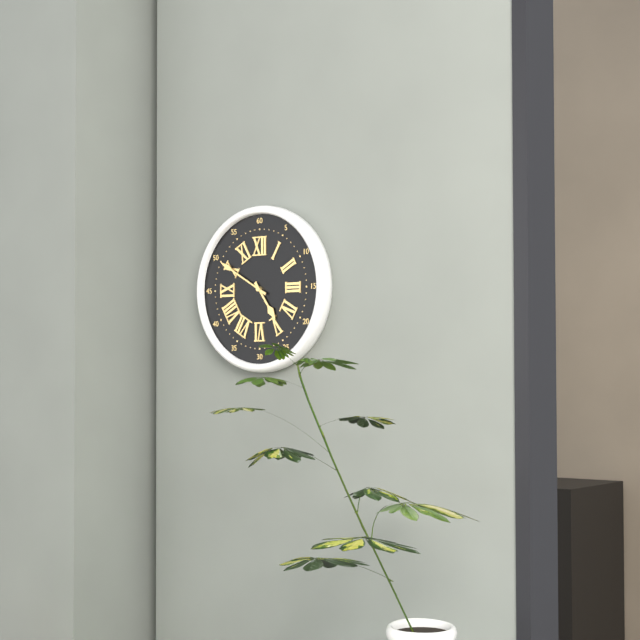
4 h 50 min
